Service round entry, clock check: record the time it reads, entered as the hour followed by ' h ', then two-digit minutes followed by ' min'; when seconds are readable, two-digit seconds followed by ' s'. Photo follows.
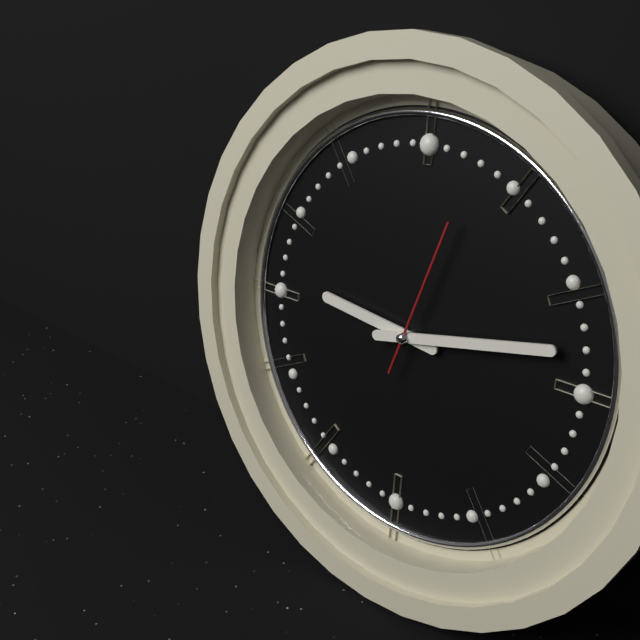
9 h 13 min 03 s
